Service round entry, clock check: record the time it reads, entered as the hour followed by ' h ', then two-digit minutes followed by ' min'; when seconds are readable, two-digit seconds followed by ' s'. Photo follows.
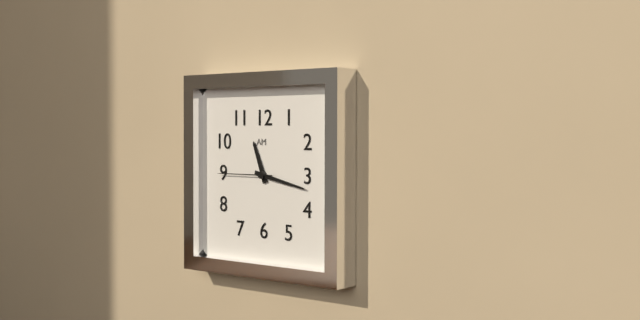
11 h 17 min 45 s
